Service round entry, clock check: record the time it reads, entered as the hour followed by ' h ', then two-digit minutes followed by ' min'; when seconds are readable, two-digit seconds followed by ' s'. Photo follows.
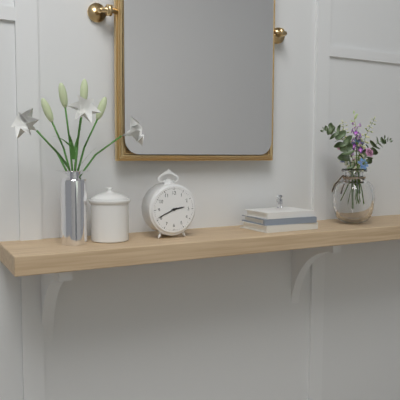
2 h 41 min
